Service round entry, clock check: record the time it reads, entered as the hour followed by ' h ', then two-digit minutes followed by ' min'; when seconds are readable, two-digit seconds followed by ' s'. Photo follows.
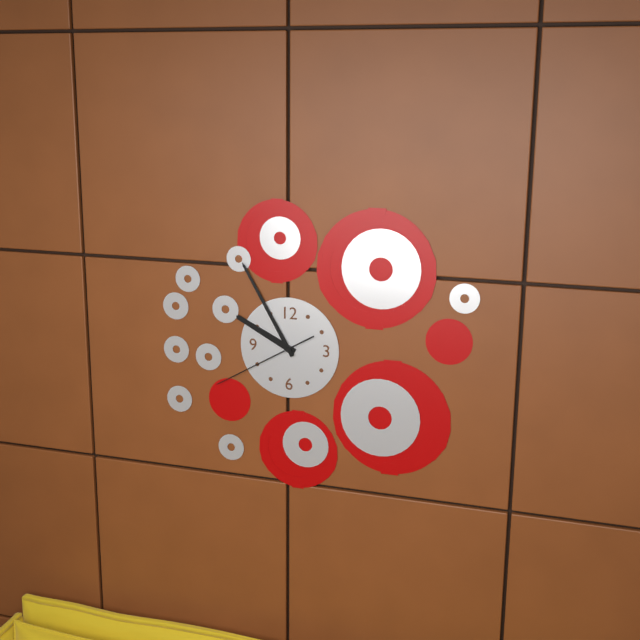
9 h 55 min 40 s
